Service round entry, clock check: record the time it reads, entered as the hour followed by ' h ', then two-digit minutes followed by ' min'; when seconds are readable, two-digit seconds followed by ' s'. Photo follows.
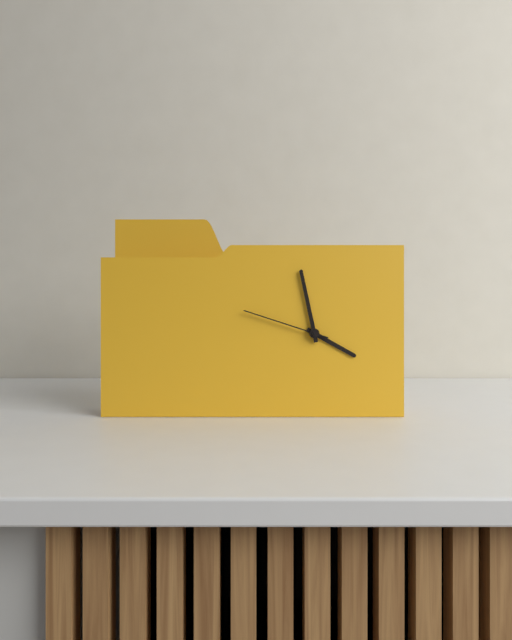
3 h 58 min 48 s
